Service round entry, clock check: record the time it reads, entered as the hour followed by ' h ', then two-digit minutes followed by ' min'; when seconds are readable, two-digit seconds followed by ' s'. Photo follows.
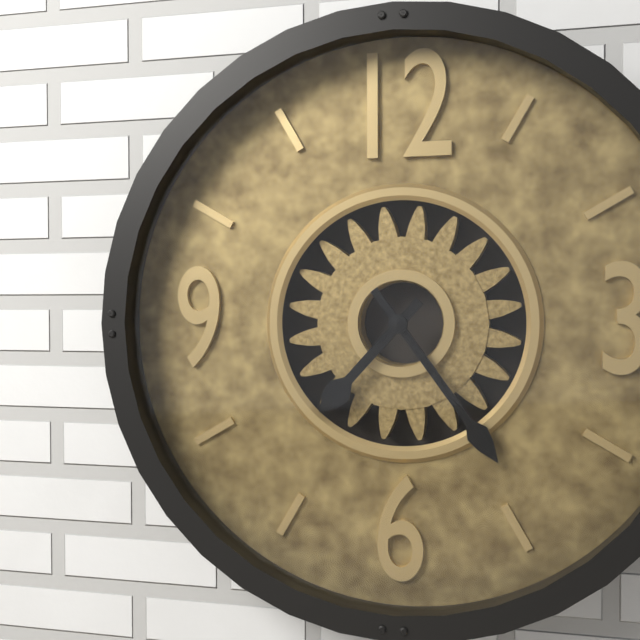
7 h 24 min
